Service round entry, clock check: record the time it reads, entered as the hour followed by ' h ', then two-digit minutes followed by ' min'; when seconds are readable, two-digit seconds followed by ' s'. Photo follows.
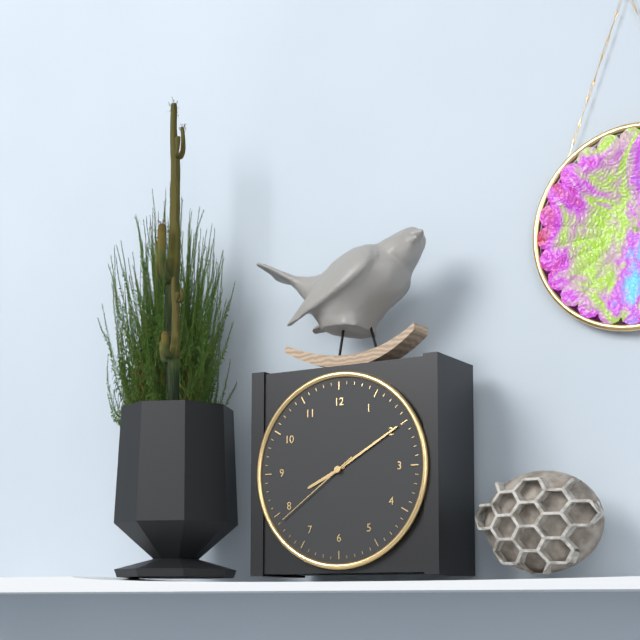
8 h 10 min 39 s
